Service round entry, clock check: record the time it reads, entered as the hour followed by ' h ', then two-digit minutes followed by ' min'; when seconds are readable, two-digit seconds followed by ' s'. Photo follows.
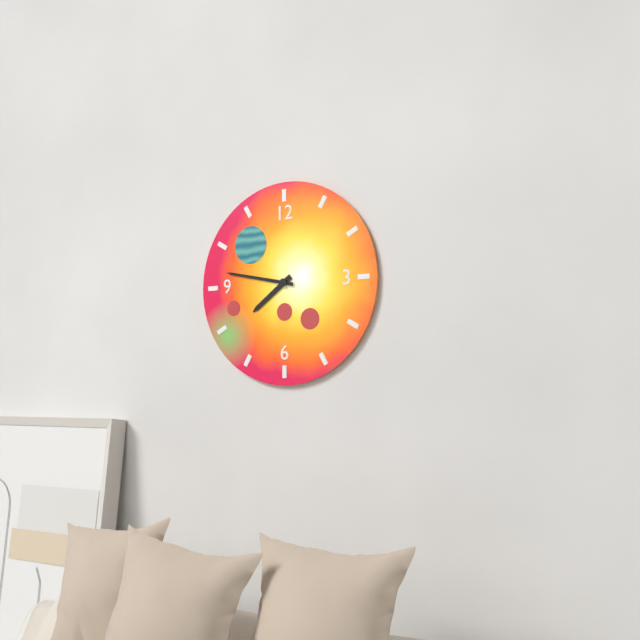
7 h 47 min
